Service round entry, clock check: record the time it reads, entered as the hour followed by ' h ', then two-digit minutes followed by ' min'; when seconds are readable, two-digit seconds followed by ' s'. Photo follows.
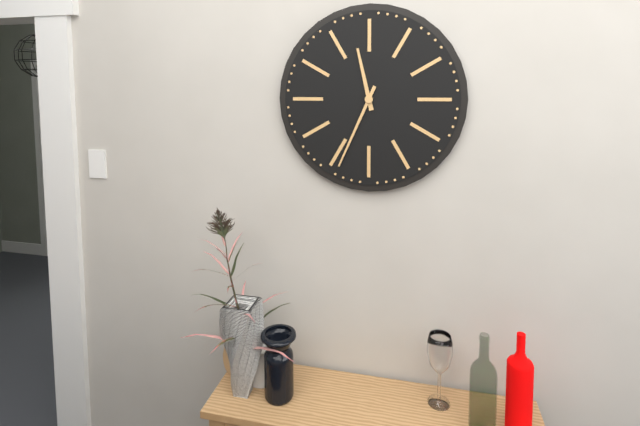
11 h 34 min
